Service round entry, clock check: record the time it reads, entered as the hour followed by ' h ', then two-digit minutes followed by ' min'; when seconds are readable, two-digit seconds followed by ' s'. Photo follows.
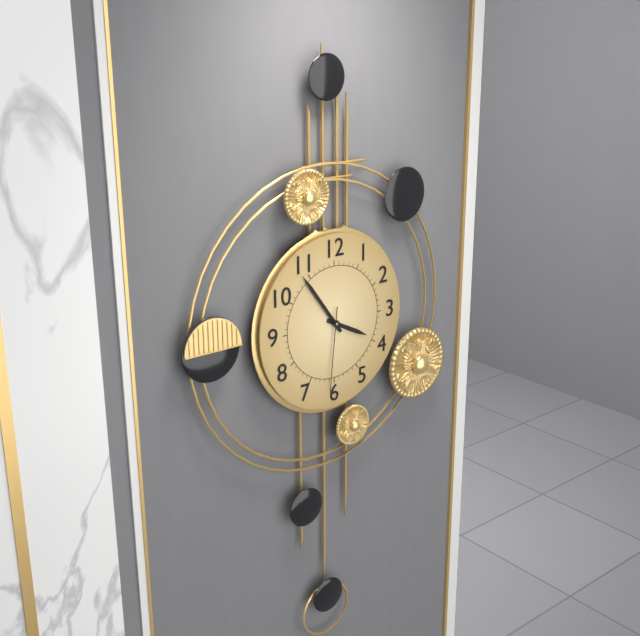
3 h 54 min 31 s
